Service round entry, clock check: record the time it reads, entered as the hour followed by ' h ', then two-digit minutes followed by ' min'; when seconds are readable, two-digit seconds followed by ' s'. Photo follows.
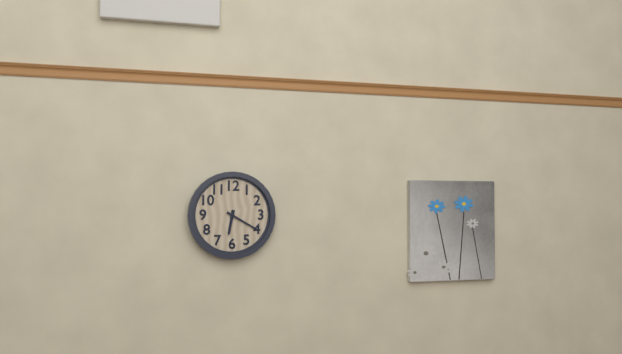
6 h 20 min
